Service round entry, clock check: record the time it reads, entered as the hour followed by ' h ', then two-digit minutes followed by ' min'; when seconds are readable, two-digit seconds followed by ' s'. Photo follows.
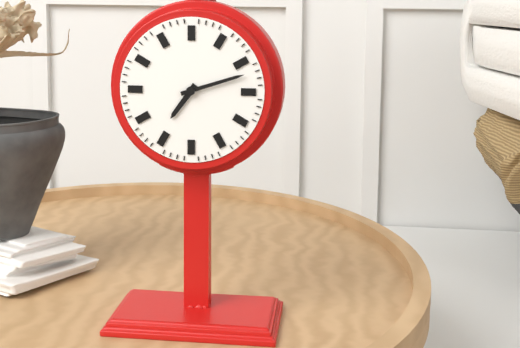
7 h 12 min
